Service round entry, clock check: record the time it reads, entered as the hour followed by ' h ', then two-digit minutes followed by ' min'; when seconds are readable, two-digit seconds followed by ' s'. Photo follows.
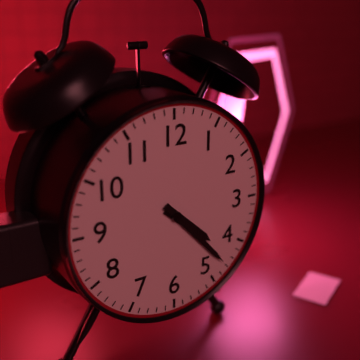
4 h 23 min
